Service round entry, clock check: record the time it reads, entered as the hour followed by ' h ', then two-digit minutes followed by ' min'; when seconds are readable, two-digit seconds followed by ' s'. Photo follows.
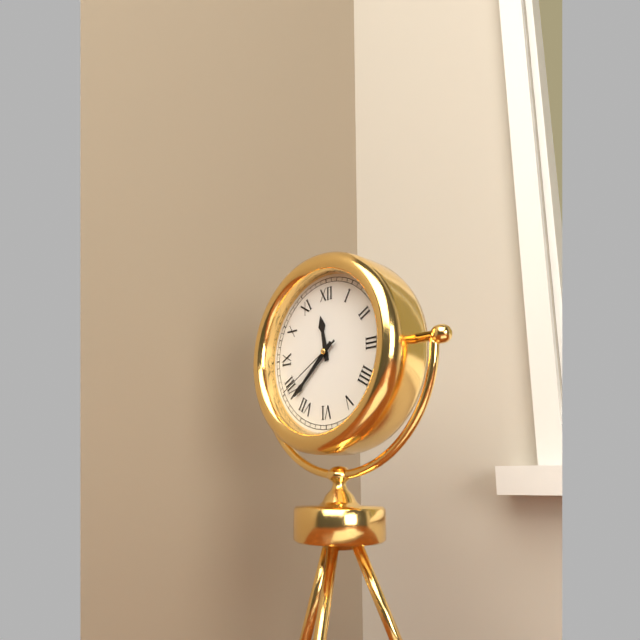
11 h 38 min 40 s
